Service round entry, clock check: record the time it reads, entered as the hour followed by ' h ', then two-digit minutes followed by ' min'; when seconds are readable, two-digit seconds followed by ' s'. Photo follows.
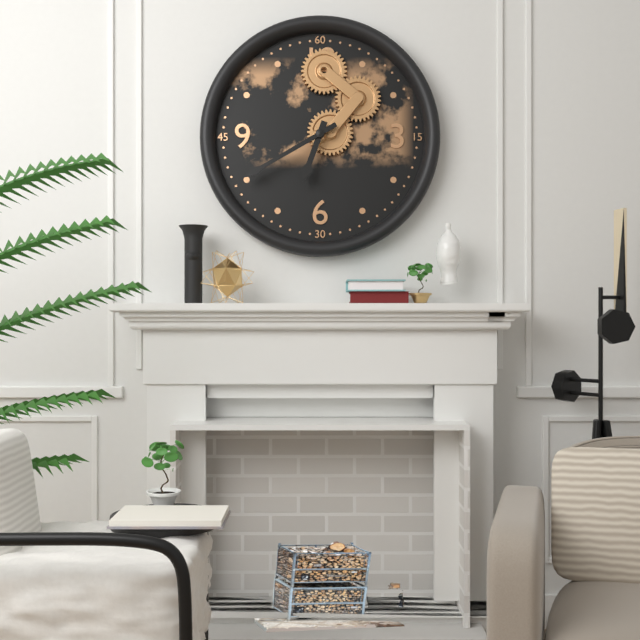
6 h 40 min
